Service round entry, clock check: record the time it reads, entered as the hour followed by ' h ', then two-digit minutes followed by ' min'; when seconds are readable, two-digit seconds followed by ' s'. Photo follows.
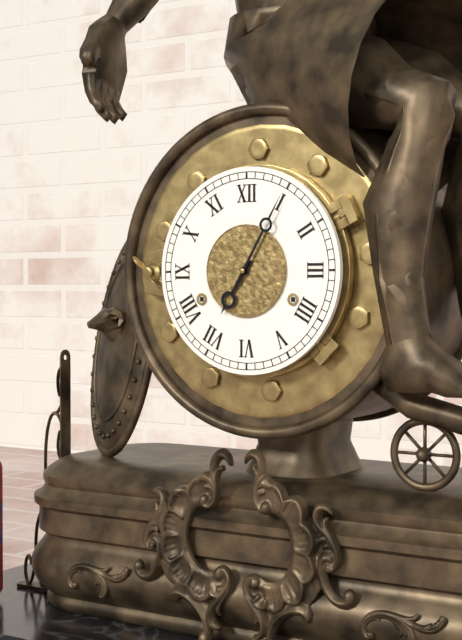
7 h 05 min
